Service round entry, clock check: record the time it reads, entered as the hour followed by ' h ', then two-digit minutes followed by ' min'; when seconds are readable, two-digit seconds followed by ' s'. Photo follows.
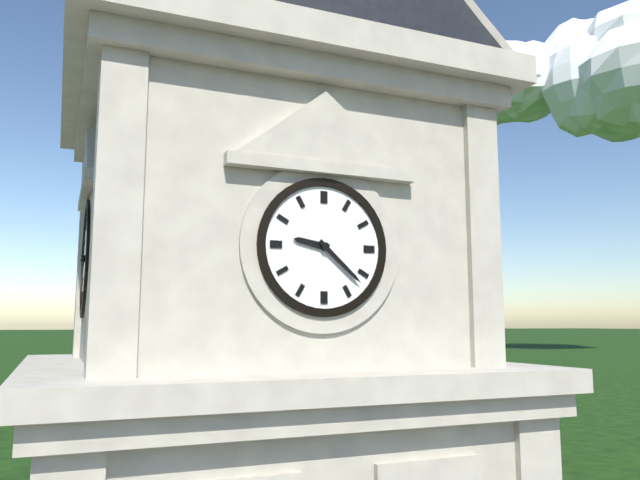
9 h 22 min
